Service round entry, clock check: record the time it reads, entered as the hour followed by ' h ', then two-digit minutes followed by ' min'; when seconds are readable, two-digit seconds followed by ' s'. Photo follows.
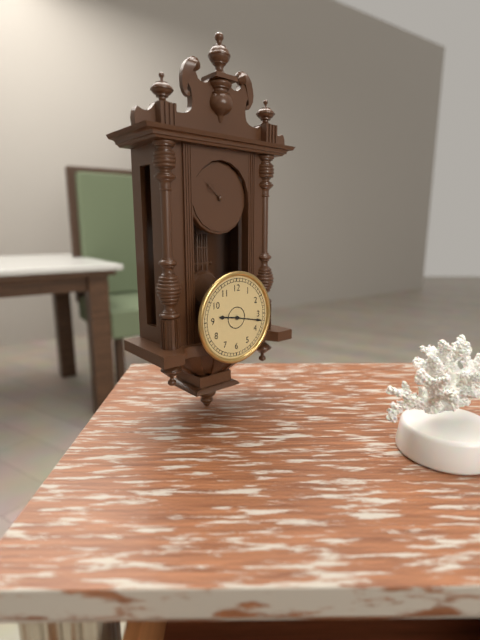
9 h 17 min
